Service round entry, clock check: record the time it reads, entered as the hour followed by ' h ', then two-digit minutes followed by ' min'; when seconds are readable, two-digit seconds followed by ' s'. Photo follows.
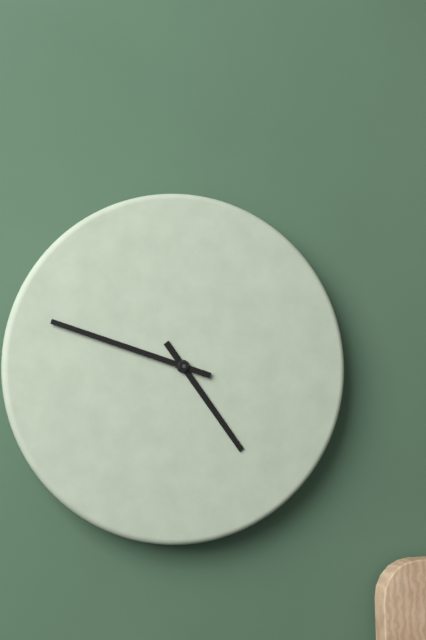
4 h 48 min
